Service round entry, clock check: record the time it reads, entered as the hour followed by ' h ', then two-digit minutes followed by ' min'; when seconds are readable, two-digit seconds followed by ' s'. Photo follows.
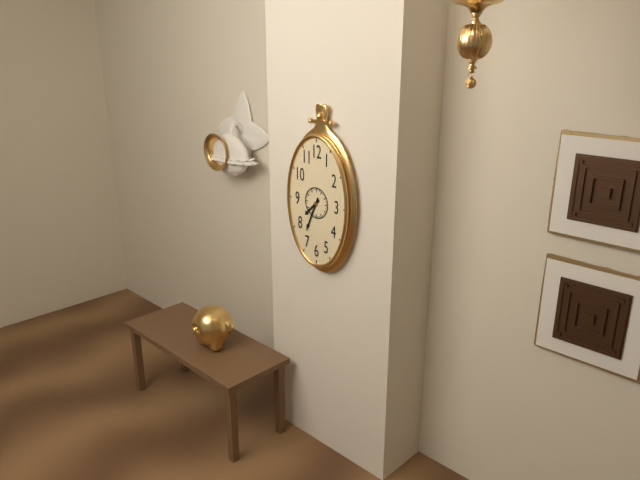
7 h 34 min
